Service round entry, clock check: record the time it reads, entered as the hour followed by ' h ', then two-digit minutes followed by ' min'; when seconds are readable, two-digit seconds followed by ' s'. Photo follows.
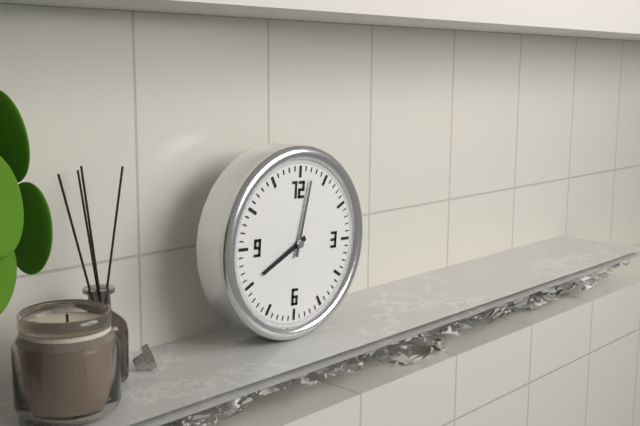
8 h 02 min
